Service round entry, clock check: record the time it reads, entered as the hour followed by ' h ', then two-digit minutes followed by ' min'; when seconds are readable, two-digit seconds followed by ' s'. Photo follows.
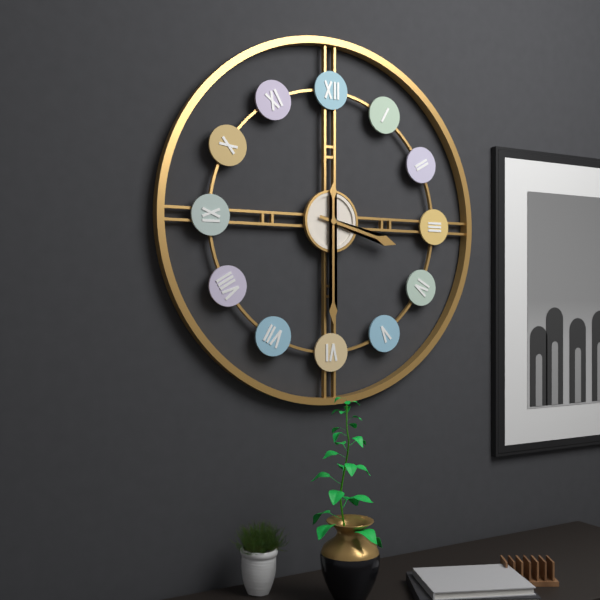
3 h 30 min
